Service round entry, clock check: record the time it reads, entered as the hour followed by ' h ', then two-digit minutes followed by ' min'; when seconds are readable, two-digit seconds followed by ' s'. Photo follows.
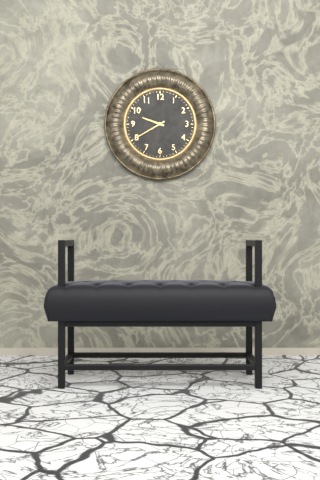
9 h 40 min
